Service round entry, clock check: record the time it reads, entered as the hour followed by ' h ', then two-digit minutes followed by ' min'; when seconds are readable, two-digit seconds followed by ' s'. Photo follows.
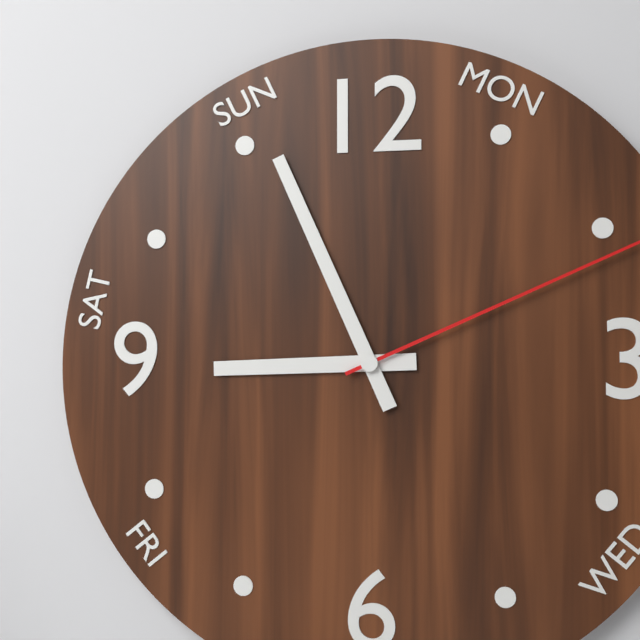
8 h 56 min
